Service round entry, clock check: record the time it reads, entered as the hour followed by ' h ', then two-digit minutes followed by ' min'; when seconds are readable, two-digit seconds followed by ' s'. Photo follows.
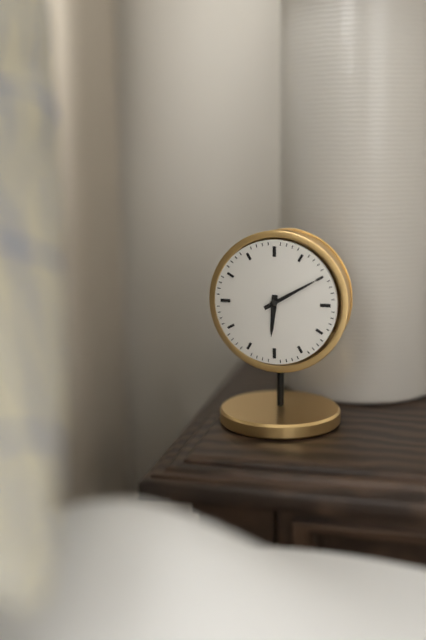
6 h 10 min
